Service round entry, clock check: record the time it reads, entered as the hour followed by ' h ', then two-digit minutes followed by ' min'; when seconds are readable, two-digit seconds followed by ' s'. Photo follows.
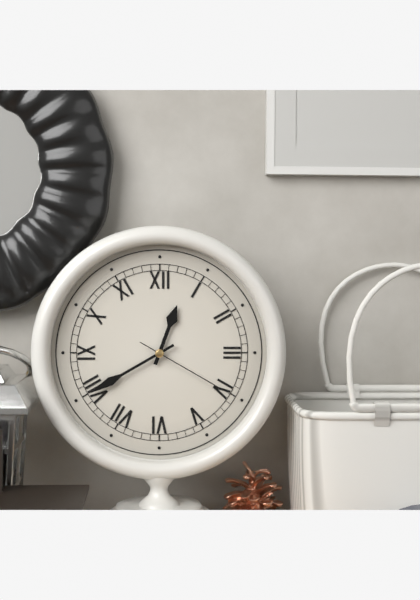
12 h 40 min 20 s
